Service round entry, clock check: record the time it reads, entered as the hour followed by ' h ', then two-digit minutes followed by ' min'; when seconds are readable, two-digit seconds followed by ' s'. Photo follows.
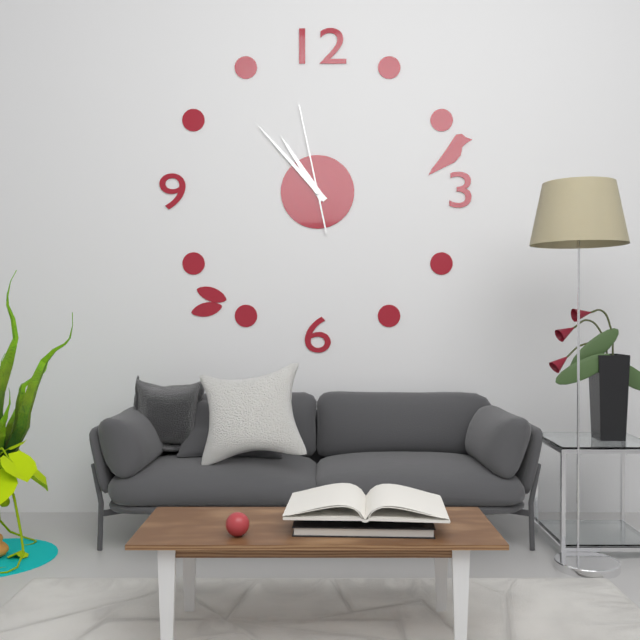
10 h 53 min 58 s
